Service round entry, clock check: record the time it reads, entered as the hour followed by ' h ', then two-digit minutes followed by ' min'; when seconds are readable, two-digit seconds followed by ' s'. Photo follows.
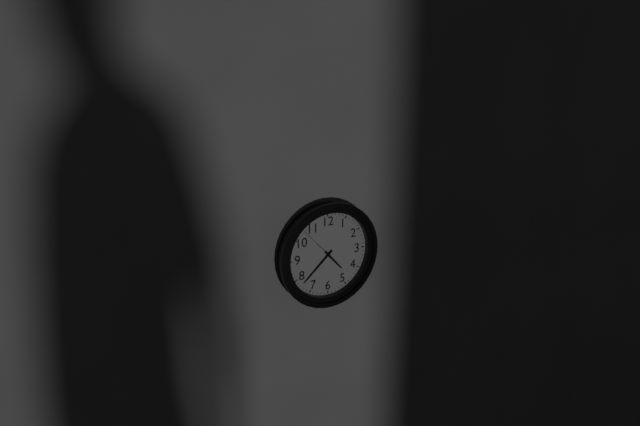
4 h 38 min
